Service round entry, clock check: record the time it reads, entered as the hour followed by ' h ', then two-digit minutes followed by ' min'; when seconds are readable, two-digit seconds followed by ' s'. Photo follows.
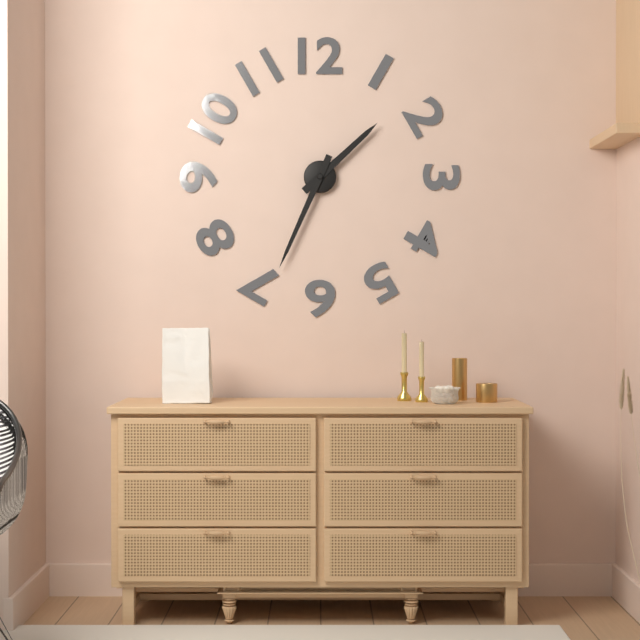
1 h 34 min
